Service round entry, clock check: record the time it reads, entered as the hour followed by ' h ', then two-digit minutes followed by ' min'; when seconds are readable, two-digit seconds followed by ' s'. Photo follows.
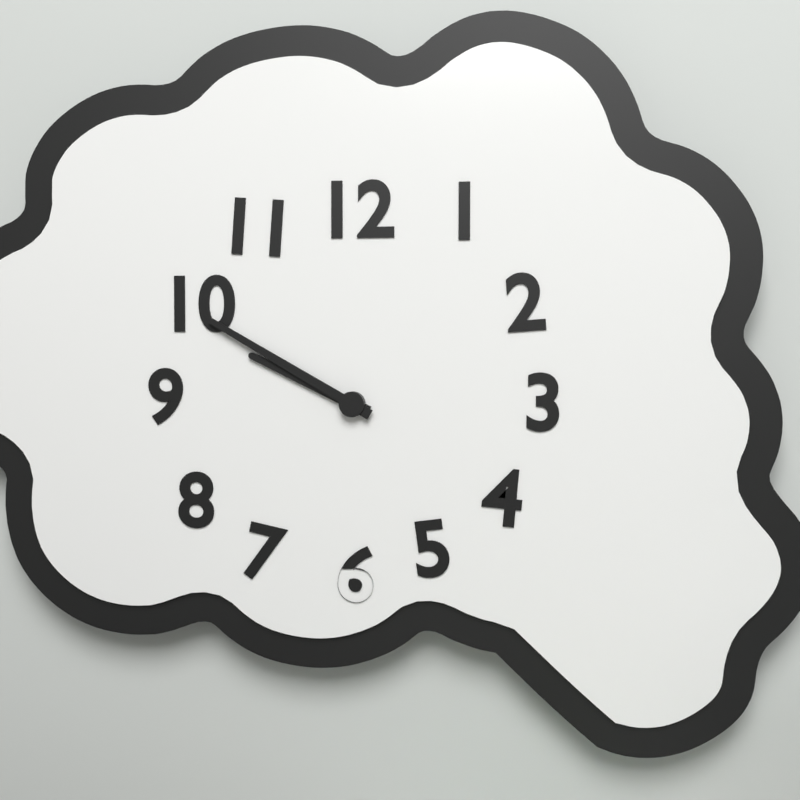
9 h 50 min
